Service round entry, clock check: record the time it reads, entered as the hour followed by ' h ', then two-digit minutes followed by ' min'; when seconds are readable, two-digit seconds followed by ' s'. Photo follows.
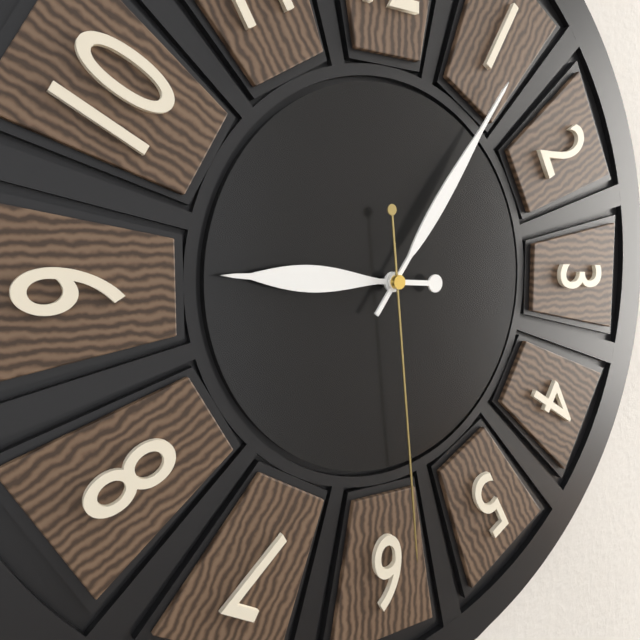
9 h 06 min 29 s
